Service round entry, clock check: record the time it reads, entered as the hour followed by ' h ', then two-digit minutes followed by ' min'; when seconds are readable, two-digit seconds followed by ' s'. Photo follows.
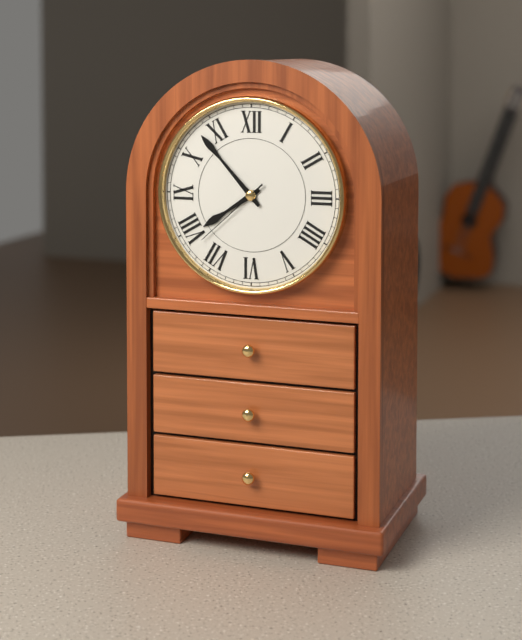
7 h 53 min 38 s
